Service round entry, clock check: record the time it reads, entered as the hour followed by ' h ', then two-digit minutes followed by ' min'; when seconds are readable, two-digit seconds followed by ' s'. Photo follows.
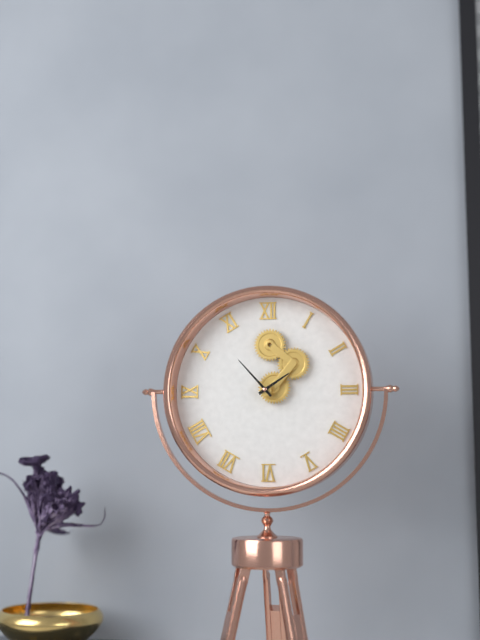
1 h 53 min
